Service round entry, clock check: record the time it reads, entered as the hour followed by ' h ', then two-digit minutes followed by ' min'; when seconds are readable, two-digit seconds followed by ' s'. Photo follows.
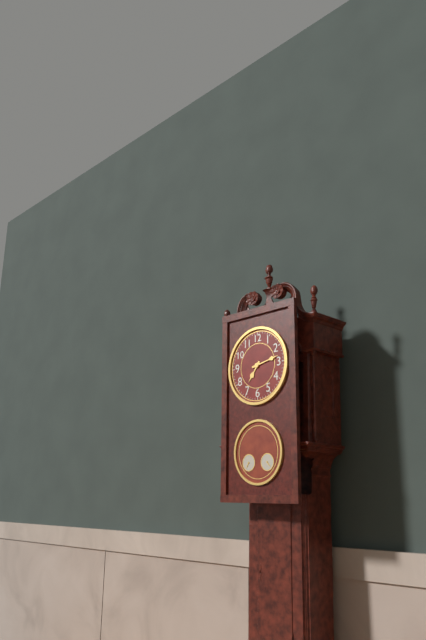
7 h 13 min
